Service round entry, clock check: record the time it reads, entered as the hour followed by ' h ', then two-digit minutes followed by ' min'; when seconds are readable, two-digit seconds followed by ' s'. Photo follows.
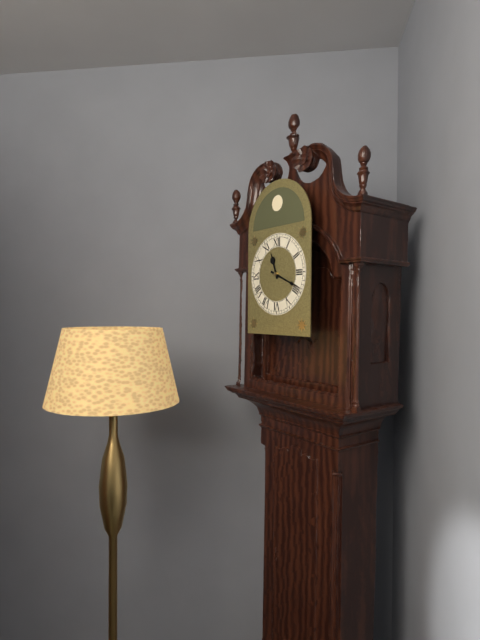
11 h 19 min
